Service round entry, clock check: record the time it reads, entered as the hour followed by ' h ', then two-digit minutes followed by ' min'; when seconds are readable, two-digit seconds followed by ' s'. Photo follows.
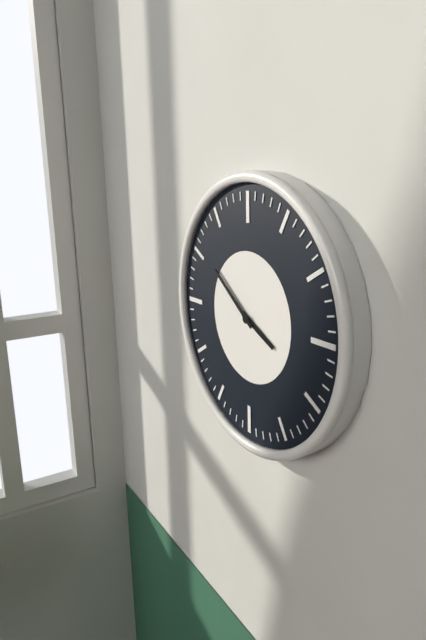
3 h 51 min
